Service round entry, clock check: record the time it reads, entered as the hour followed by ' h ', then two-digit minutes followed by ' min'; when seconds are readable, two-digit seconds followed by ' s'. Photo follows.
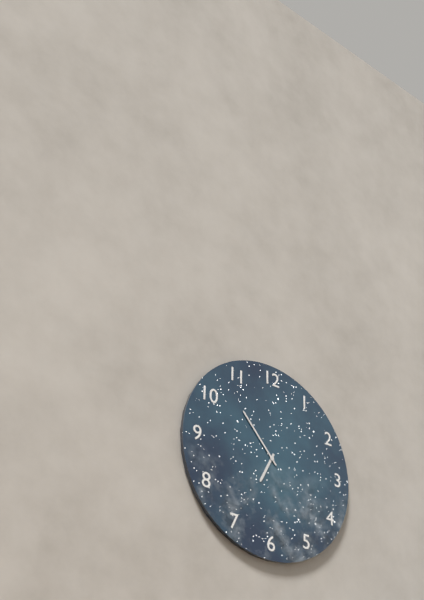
6 h 53 min
